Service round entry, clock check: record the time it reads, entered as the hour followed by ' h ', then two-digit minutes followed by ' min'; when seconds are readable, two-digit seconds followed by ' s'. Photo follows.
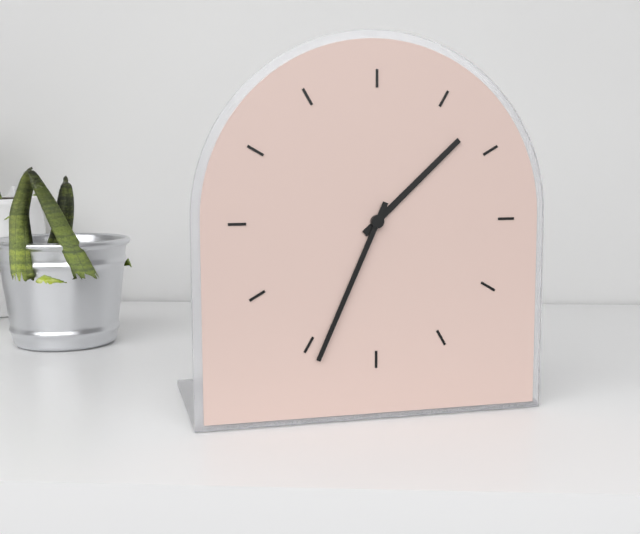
1 h 34 min
